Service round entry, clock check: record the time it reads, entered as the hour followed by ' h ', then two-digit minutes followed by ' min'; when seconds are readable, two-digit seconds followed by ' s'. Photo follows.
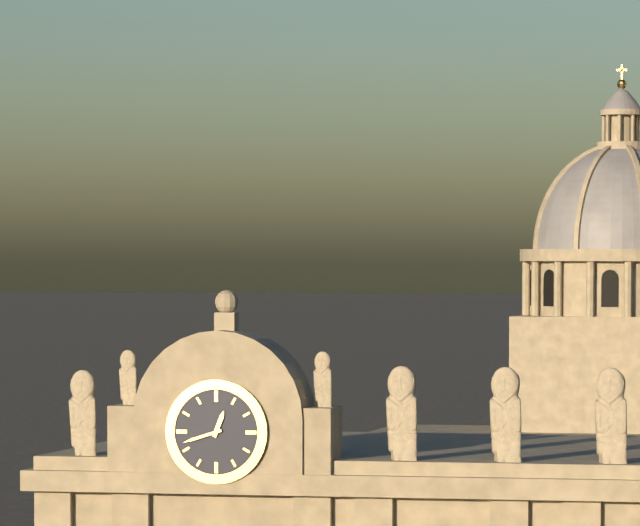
12 h 42 min
